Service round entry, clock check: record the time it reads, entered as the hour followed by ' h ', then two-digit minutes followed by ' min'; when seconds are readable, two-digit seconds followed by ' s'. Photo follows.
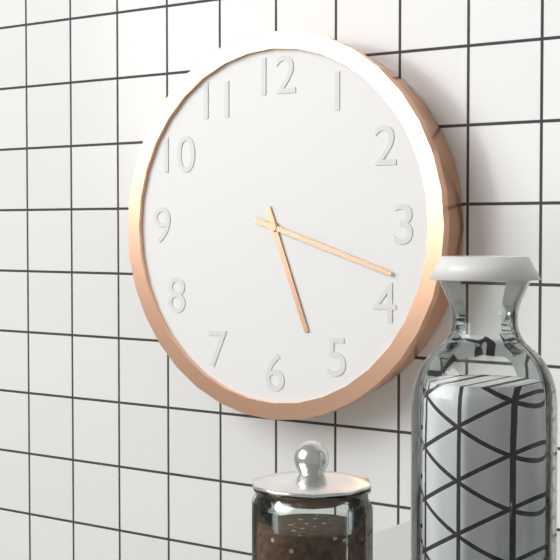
5 h 18 min
